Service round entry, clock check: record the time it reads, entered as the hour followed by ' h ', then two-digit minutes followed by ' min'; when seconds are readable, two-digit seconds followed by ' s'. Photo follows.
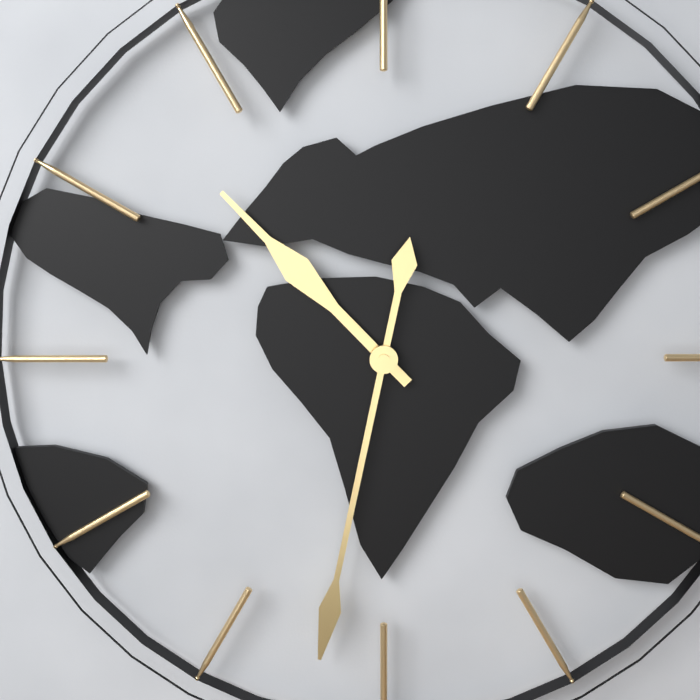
10 h 32 min
